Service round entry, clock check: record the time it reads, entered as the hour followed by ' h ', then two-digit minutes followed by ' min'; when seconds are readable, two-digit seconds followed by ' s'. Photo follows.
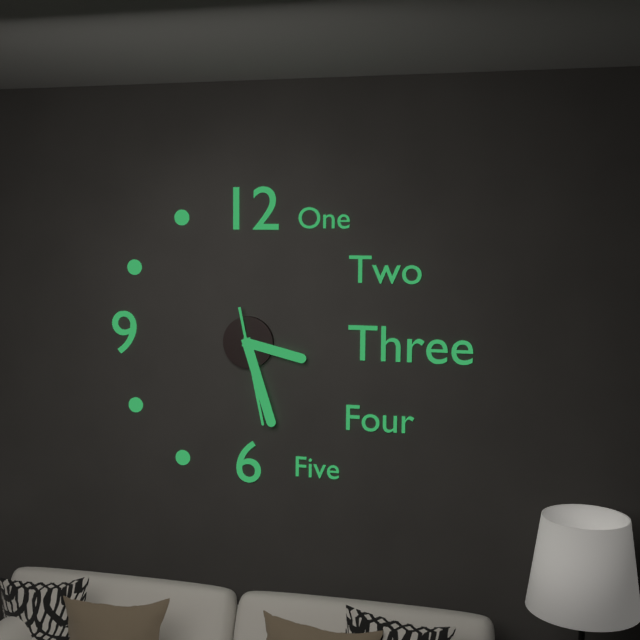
3 h 27 min 28 s
